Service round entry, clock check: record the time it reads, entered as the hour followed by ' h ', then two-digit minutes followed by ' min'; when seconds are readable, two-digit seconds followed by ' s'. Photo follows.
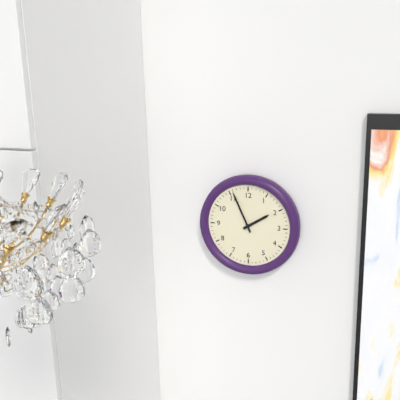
1 h 56 min
